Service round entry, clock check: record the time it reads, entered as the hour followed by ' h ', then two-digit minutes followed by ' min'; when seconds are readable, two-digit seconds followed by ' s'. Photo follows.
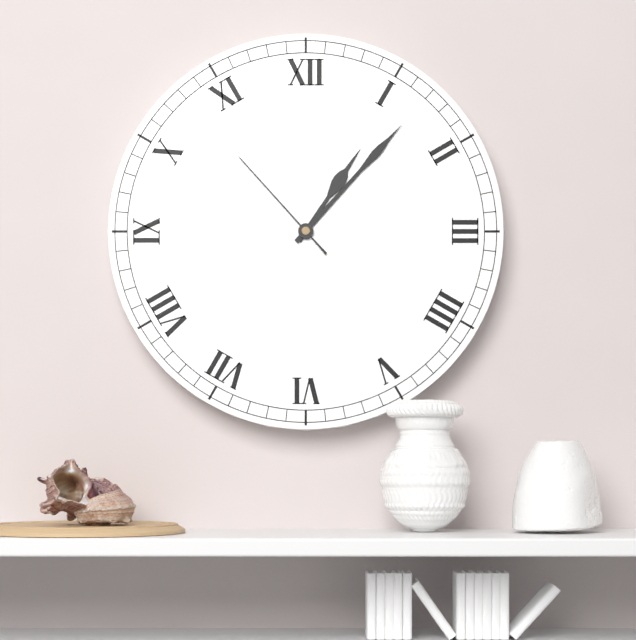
1 h 07 min 53 s
